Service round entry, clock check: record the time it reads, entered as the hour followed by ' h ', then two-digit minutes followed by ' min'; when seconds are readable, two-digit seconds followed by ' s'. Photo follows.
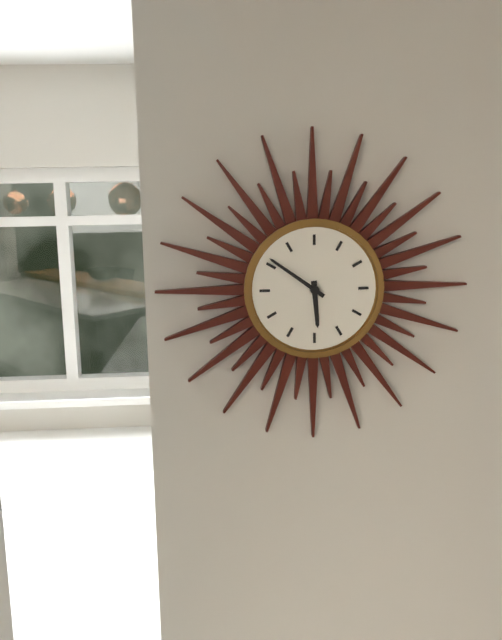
5 h 51 min
